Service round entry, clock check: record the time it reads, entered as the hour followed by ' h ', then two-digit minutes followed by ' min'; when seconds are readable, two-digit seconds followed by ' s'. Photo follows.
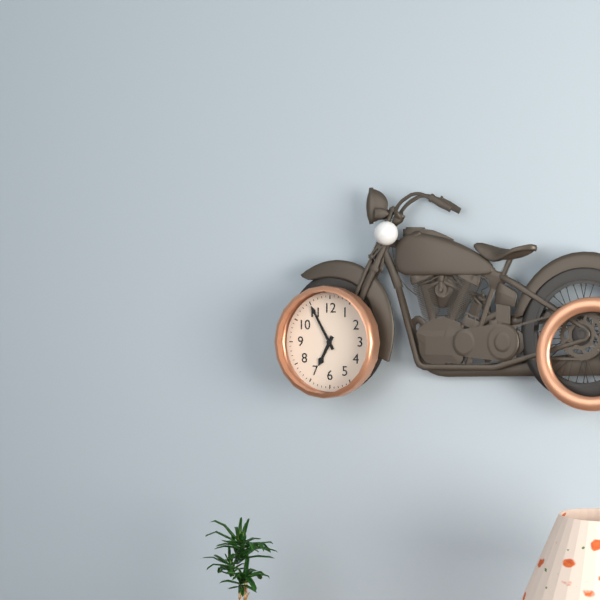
6 h 55 min
